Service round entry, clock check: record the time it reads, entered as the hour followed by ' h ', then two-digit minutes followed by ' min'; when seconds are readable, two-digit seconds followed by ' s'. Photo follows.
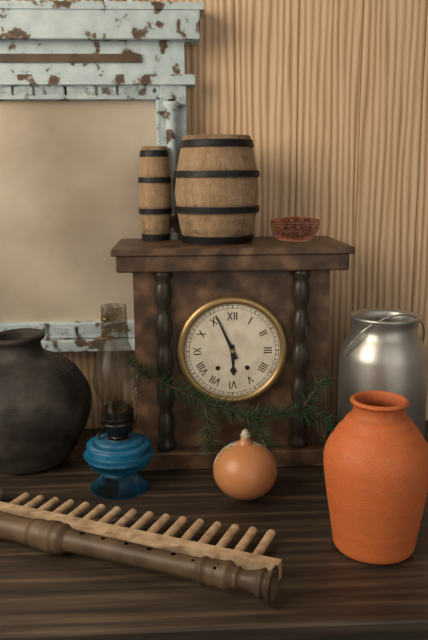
5 h 56 min
